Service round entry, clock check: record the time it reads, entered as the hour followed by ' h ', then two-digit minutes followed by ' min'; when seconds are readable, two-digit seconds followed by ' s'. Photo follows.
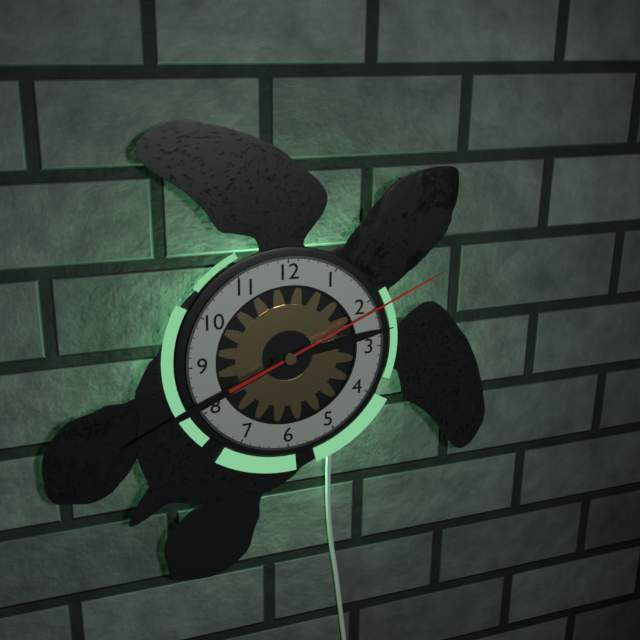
2 h 41 min 11 s
